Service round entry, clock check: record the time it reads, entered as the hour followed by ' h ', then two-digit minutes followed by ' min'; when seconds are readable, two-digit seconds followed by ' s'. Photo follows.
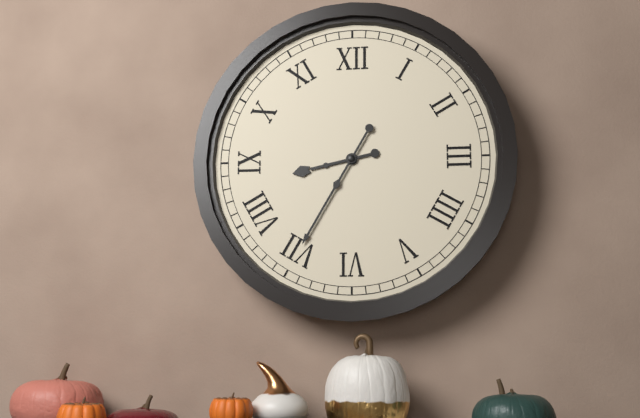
8 h 35 min
